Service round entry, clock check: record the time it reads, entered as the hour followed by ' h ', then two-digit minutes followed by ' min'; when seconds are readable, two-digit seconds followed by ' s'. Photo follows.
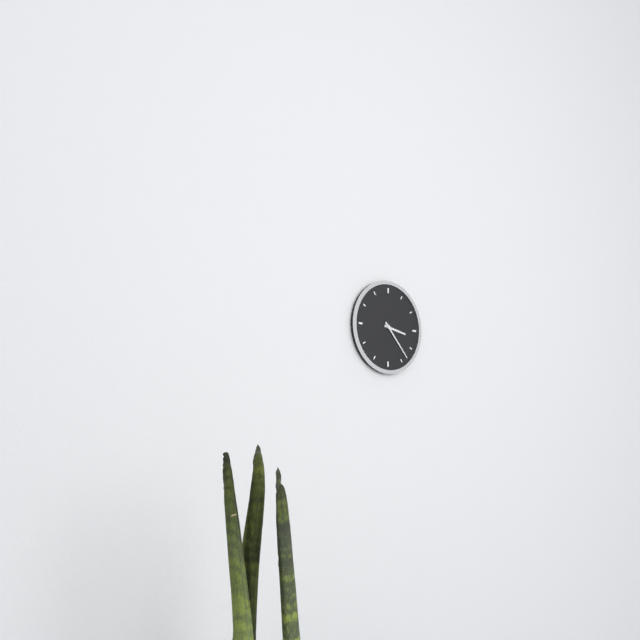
3 h 23 min
